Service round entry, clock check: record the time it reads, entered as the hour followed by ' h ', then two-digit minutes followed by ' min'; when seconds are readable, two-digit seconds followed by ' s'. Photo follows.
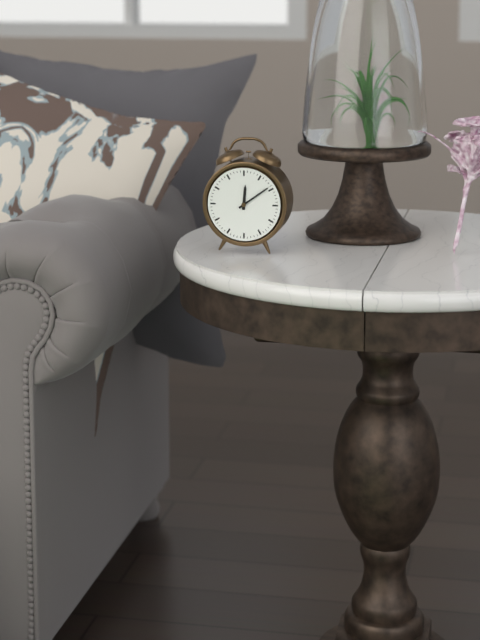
12 h 09 min
